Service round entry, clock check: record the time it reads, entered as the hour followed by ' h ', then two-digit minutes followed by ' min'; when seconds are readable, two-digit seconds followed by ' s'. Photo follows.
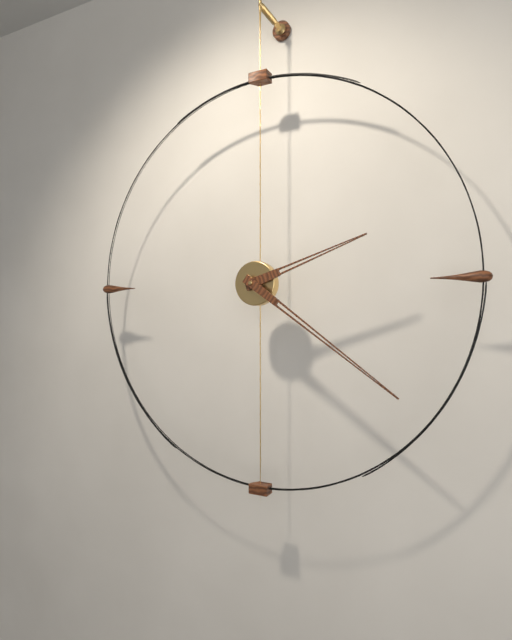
2 h 21 min
